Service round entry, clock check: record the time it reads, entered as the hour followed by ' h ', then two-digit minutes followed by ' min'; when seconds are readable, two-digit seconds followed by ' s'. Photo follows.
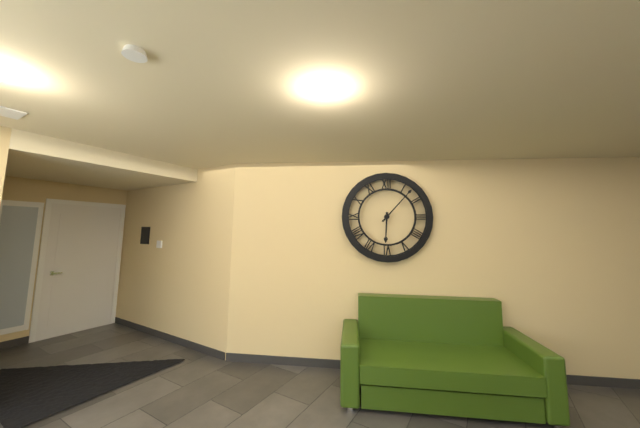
6 h 07 min
